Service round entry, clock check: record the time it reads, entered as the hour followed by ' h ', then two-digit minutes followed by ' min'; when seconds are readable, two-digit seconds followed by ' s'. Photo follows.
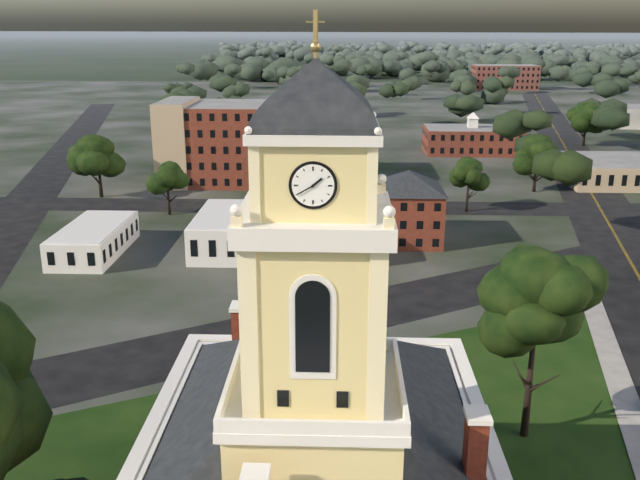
1 h 40 min
